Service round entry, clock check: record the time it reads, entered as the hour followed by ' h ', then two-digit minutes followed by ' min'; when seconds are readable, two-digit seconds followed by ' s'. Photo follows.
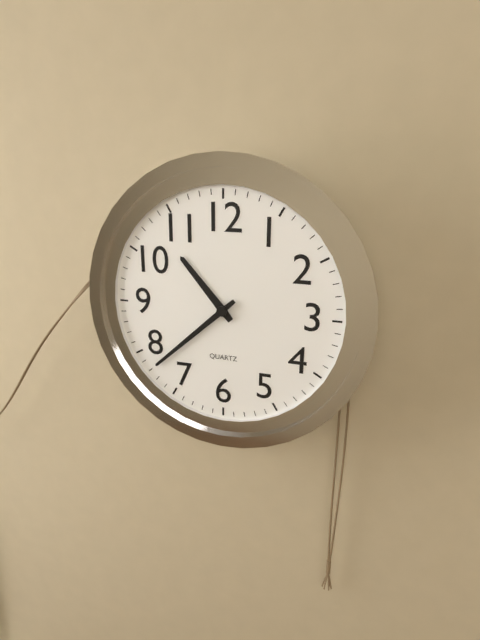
10 h 38 min
